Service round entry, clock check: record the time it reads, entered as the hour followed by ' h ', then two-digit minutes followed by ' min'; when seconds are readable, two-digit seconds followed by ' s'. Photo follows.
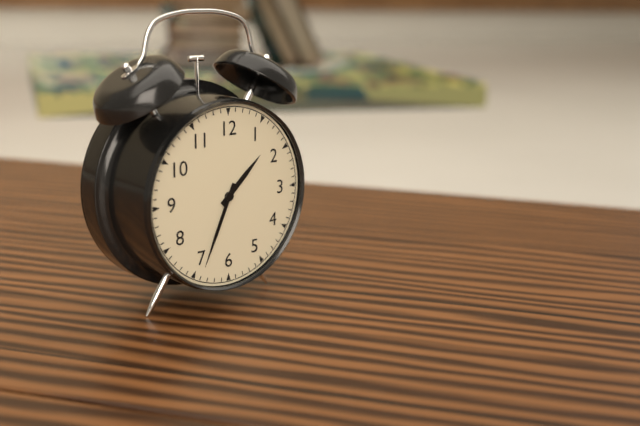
1 h 34 min
